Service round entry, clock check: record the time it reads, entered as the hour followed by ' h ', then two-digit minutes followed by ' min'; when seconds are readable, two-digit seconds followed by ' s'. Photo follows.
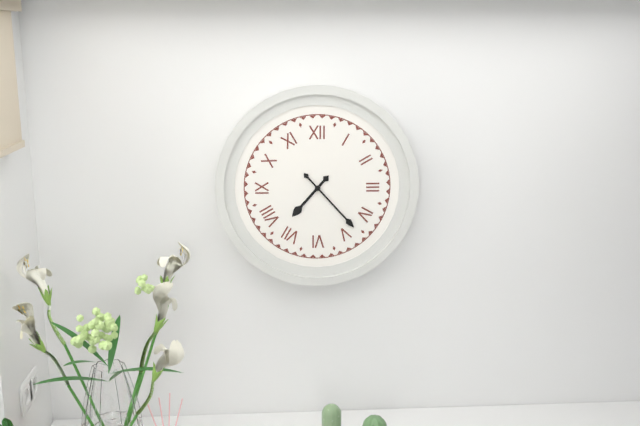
7 h 23 min
